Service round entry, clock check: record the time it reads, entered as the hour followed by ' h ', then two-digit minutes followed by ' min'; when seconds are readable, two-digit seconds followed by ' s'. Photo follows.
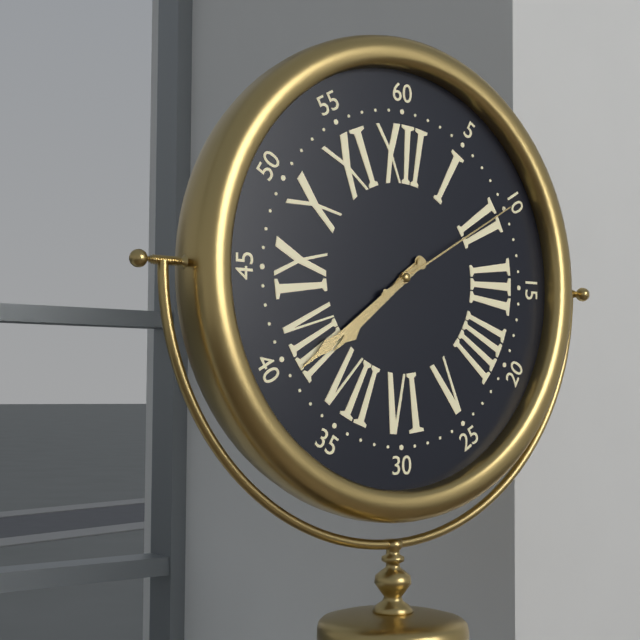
7 h 39 min 10 s
